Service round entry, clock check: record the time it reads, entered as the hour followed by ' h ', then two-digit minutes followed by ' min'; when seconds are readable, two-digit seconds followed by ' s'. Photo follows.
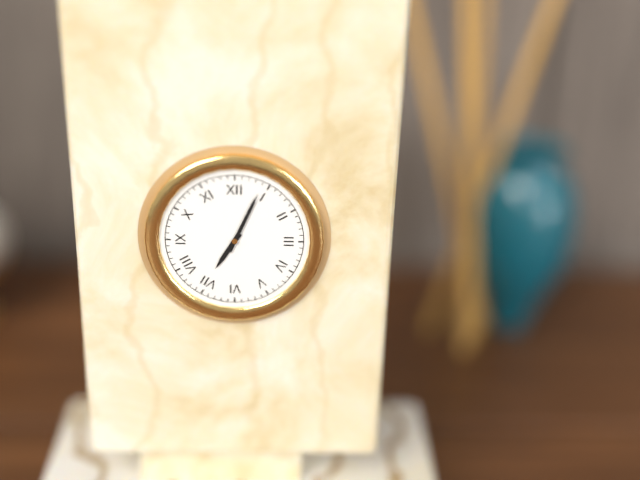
7 h 04 min
